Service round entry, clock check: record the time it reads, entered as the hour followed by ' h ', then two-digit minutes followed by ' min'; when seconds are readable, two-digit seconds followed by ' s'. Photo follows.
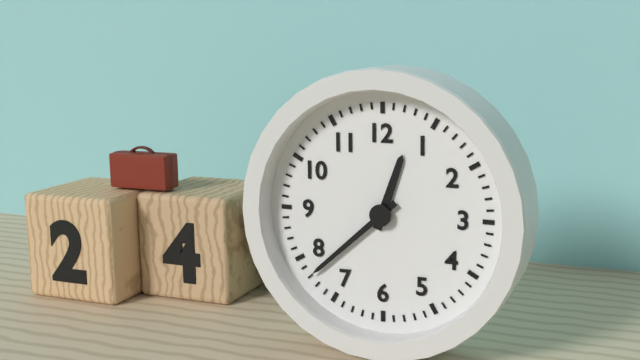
12 h 38 min
